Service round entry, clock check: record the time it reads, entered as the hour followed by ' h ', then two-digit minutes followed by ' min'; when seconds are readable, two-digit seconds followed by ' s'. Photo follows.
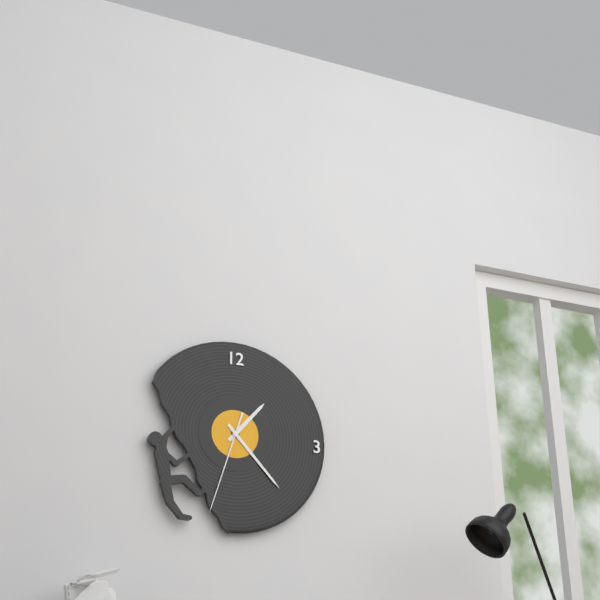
1 h 23 min 33 s
